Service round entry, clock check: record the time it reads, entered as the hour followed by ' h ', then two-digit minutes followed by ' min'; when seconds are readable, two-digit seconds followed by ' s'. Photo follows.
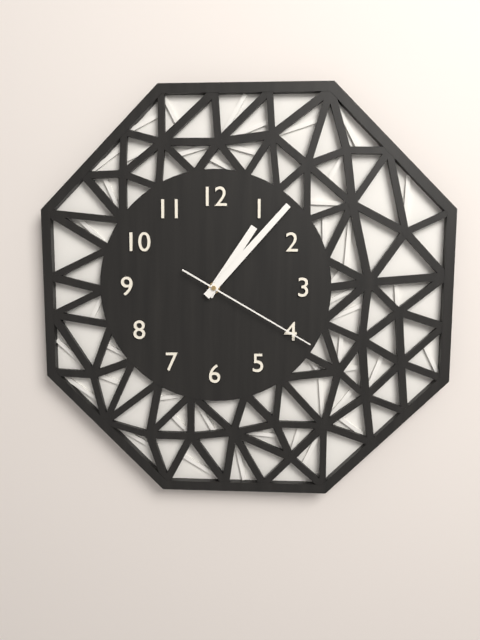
1 h 07 min 20 s
